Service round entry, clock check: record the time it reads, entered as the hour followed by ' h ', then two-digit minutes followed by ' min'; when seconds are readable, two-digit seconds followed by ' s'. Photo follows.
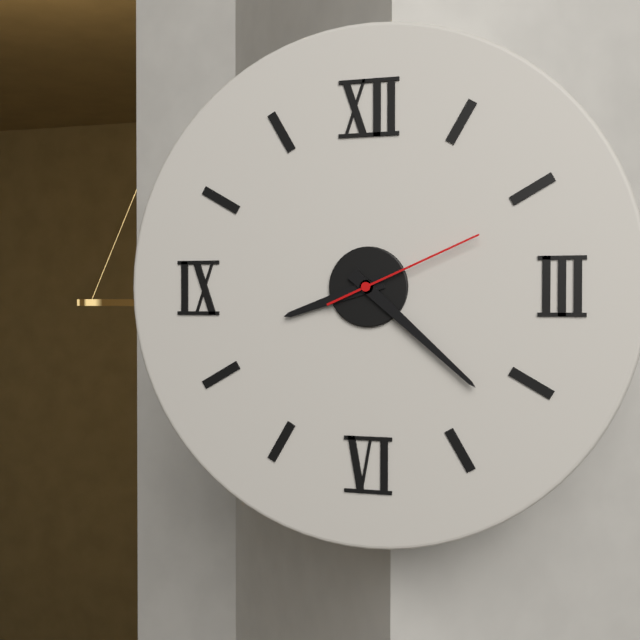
8 h 22 min 11 s
